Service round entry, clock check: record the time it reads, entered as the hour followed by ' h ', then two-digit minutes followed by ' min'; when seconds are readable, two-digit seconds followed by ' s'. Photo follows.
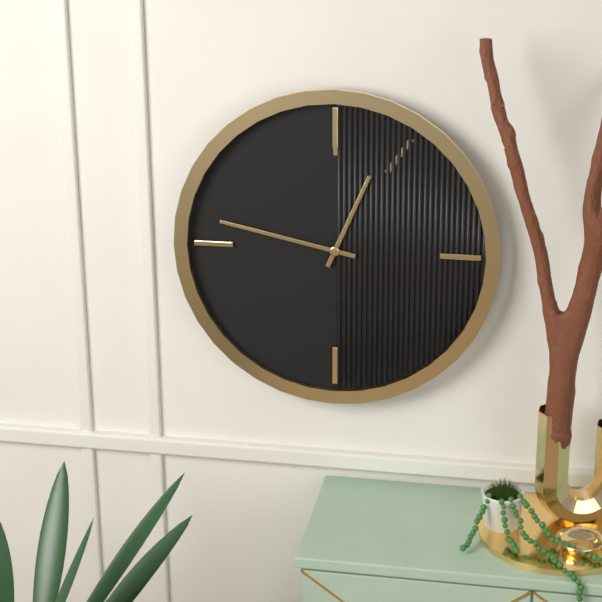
12 h 47 min
